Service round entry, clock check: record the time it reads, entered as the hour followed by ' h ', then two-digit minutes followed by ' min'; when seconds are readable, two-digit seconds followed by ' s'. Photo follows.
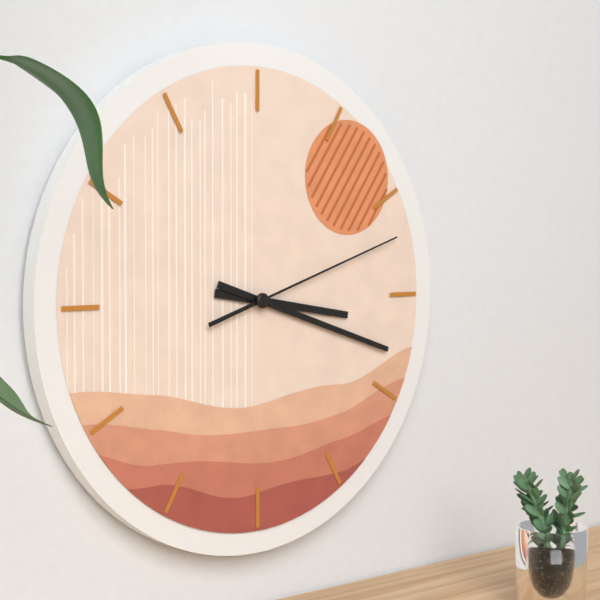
3 h 18 min 12 s
